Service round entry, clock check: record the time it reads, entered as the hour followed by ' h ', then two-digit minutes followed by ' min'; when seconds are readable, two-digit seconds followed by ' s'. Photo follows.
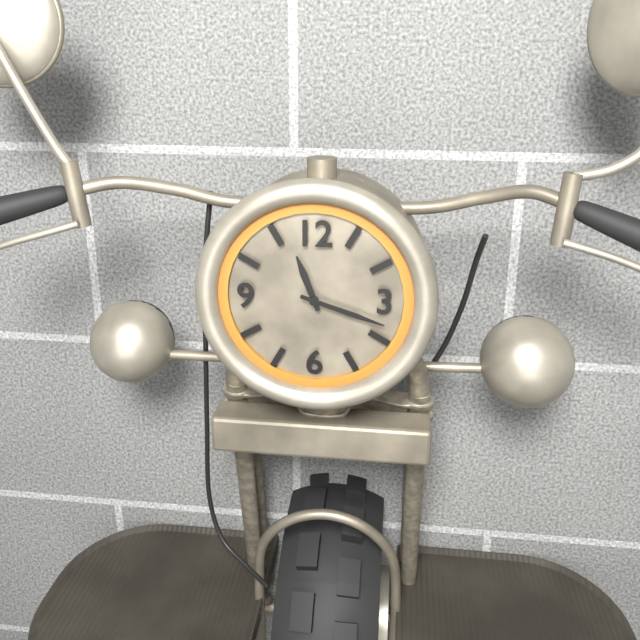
11 h 18 min
